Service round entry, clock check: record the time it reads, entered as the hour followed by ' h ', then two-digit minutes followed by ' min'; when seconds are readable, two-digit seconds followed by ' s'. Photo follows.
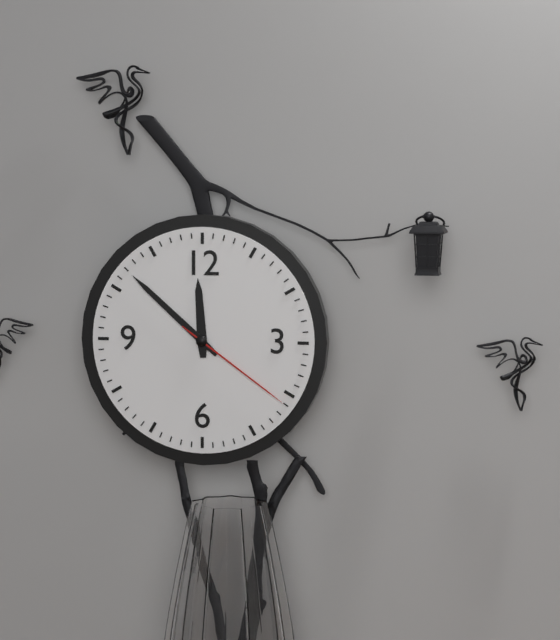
11 h 52 min 21 s
